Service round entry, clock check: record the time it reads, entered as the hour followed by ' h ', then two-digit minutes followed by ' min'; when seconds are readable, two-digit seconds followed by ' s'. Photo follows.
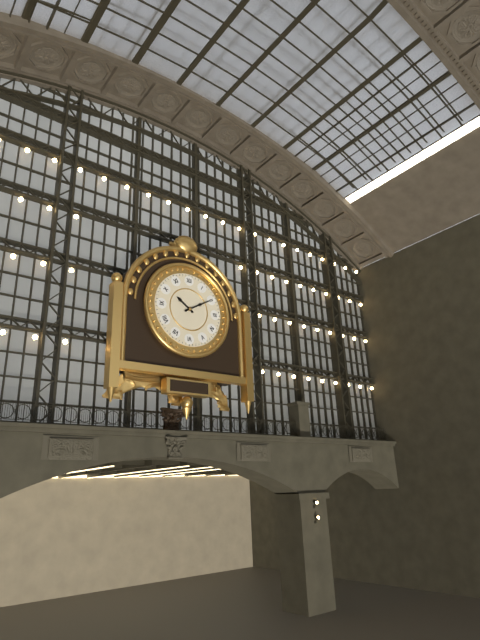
10 h 10 min
